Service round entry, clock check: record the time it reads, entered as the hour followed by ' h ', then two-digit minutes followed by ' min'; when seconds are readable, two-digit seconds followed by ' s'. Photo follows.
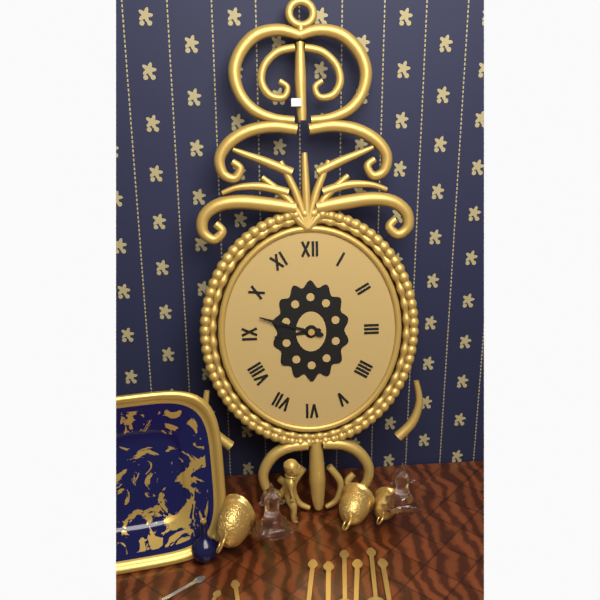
8 h 48 min
